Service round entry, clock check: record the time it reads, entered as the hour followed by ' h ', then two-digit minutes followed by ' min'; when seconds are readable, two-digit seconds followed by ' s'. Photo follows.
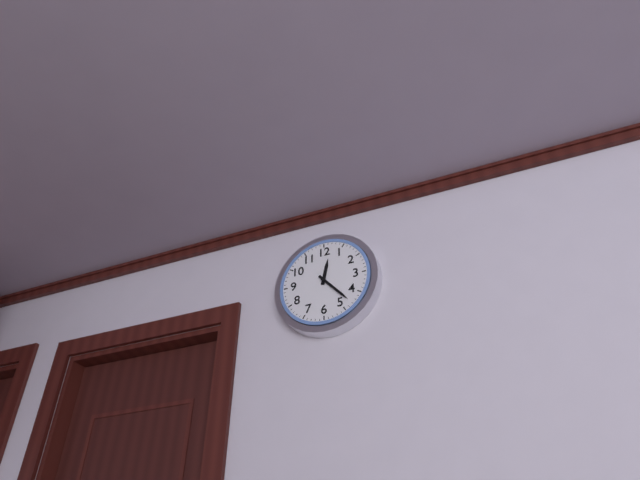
12 h 23 min
